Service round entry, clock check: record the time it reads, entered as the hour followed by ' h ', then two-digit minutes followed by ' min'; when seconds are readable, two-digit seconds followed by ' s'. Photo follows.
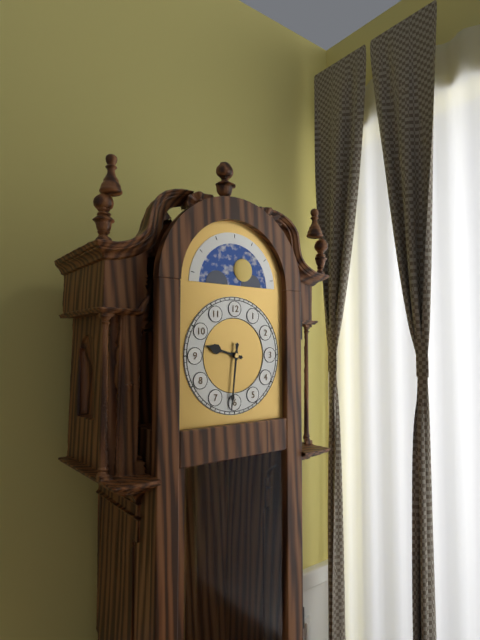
9 h 31 min
